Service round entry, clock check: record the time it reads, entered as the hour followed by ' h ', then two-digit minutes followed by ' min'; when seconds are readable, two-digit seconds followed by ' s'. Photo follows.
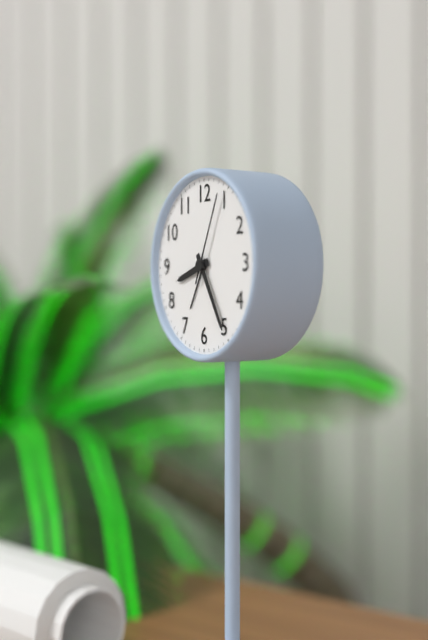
8 h 25 min 04 s
